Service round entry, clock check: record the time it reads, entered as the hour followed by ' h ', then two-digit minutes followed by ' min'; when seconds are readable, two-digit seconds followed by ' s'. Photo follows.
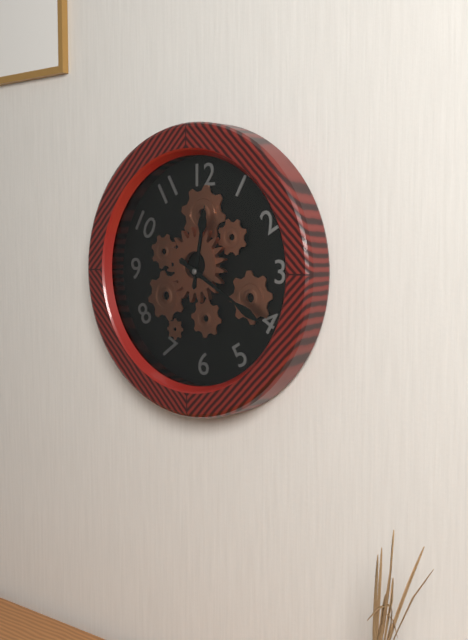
12 h 20 min
